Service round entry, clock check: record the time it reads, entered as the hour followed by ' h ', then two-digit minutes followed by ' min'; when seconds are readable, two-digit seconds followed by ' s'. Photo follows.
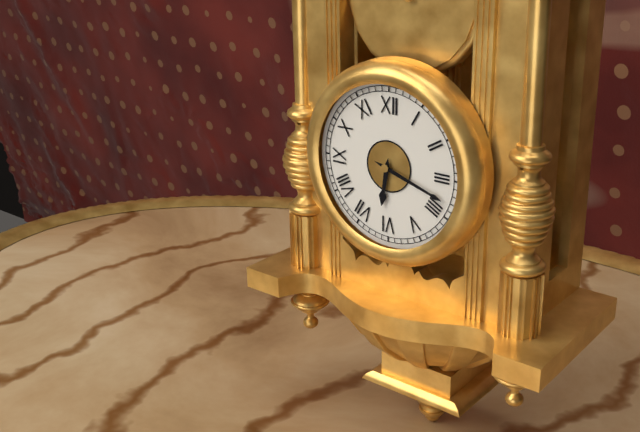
6 h 18 min
